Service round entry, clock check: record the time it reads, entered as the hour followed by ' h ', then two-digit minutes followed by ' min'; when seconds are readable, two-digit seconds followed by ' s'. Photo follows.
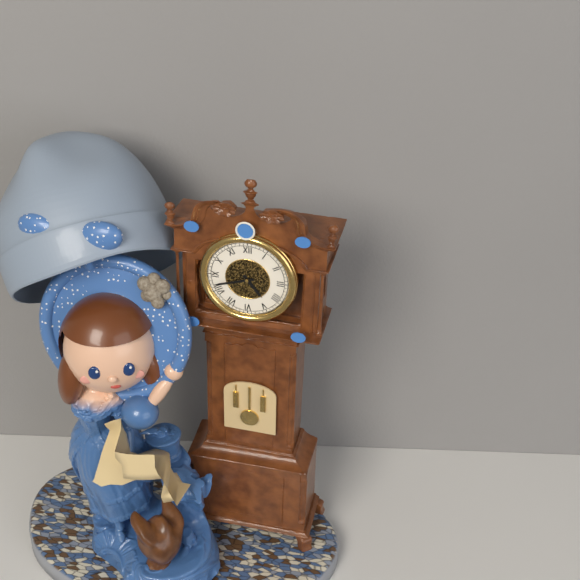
4 h 42 min
